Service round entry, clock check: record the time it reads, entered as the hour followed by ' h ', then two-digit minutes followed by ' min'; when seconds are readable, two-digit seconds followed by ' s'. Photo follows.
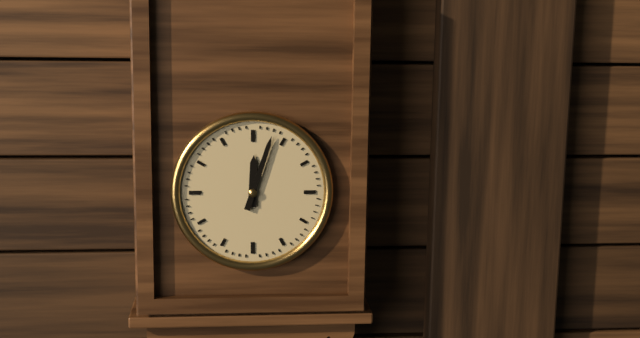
12 h 03 min
